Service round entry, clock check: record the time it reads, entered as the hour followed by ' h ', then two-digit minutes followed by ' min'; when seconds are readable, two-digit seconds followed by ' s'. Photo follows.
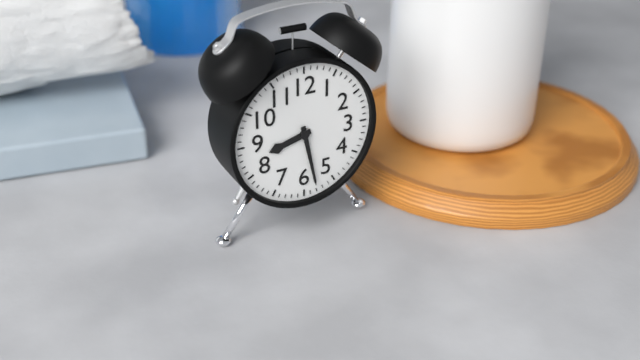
8 h 28 min
